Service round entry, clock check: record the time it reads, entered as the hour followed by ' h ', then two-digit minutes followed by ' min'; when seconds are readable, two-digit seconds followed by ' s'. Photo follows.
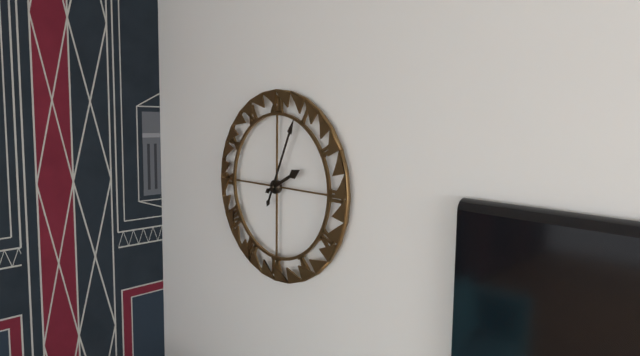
2 h 04 min
